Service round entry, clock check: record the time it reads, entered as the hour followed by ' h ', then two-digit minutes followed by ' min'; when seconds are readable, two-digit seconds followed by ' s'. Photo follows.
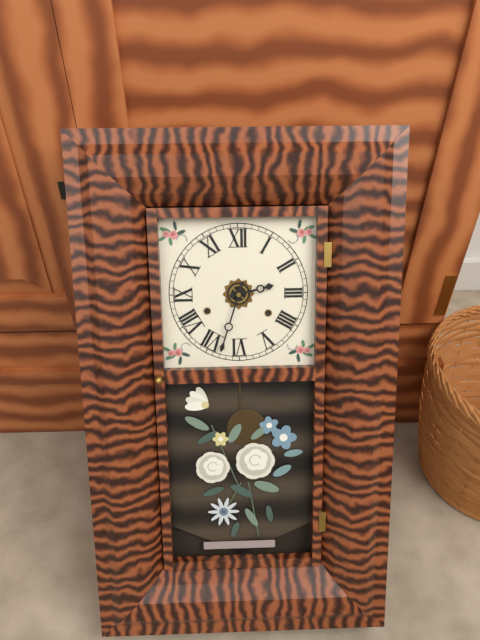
2 h 33 min
